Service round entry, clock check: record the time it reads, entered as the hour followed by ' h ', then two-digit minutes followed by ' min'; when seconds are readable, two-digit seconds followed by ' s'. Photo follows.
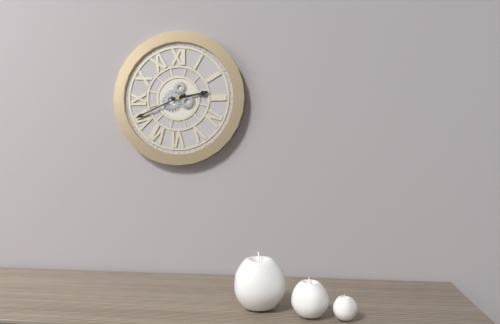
2 h 41 min
